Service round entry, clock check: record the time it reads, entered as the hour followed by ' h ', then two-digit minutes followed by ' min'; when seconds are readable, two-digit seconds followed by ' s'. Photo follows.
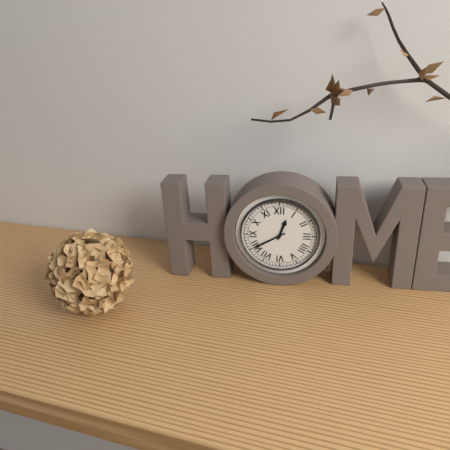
12 h 40 min
